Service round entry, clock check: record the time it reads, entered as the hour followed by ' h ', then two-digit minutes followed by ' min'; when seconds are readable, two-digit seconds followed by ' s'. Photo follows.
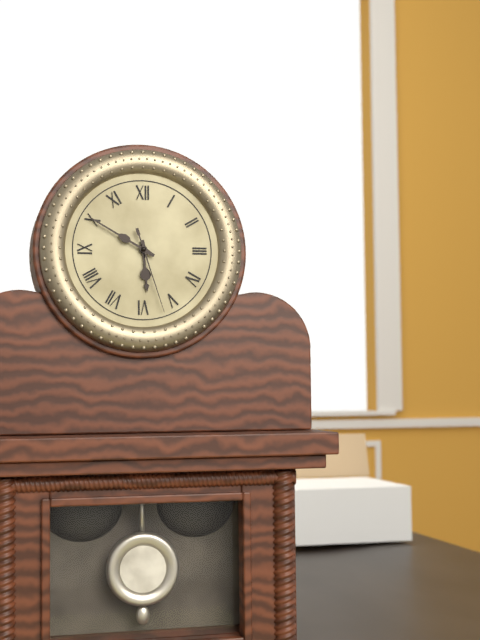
5 h 50 min 27 s
